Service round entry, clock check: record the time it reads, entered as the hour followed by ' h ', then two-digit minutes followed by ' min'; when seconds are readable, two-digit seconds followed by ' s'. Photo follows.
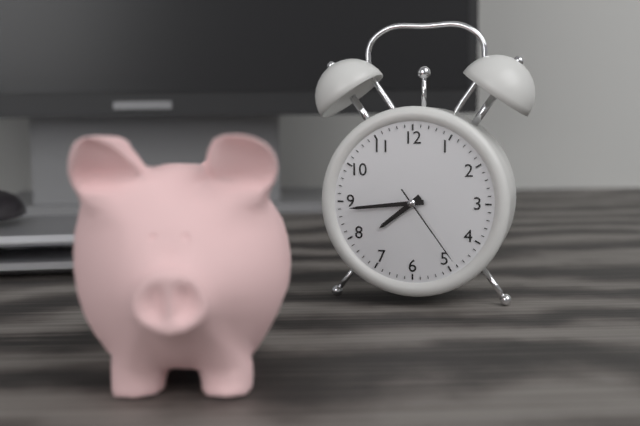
7 h 44 min 24 s
